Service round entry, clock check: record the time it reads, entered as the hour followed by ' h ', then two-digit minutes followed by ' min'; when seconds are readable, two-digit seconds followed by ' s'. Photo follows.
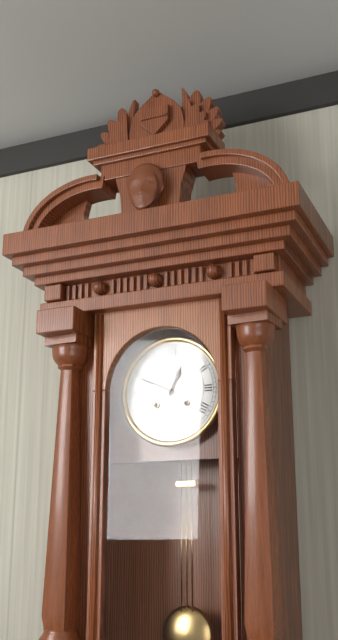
12 h 49 min
